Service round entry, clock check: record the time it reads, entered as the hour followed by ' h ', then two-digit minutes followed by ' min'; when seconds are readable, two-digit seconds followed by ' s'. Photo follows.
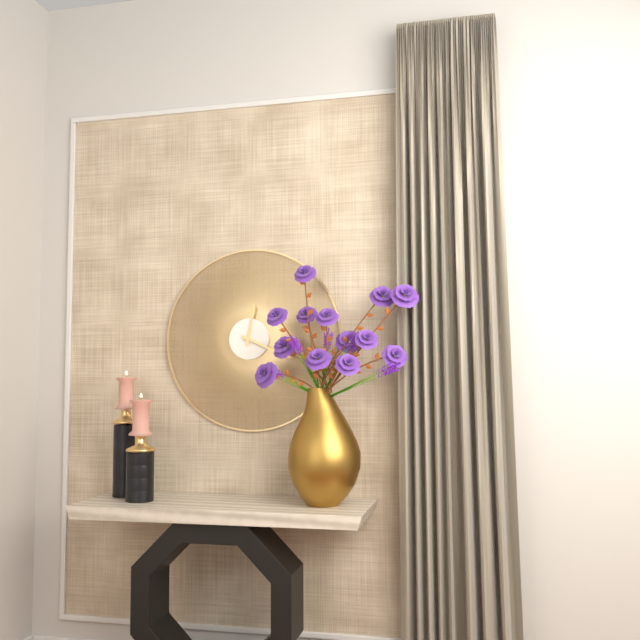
12 h 19 min
